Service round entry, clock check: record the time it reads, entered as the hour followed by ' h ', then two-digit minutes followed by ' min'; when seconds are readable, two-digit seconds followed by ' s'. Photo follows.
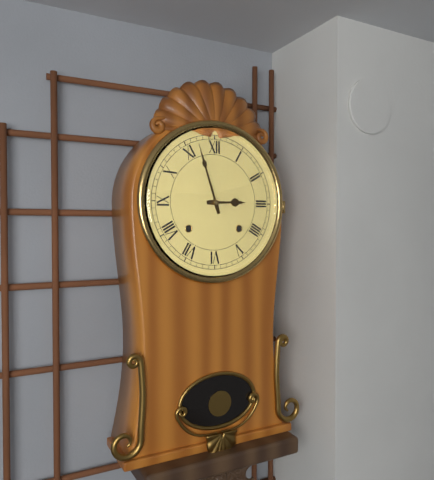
2 h 57 min
